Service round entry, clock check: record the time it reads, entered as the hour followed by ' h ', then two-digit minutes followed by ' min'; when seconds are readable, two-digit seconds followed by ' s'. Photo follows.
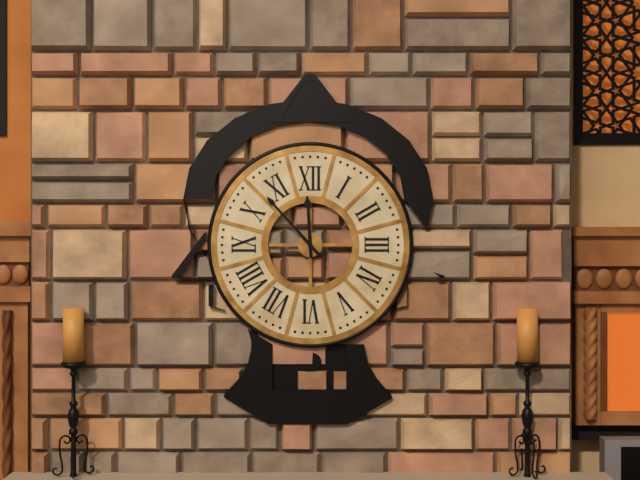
11 h 53 min
